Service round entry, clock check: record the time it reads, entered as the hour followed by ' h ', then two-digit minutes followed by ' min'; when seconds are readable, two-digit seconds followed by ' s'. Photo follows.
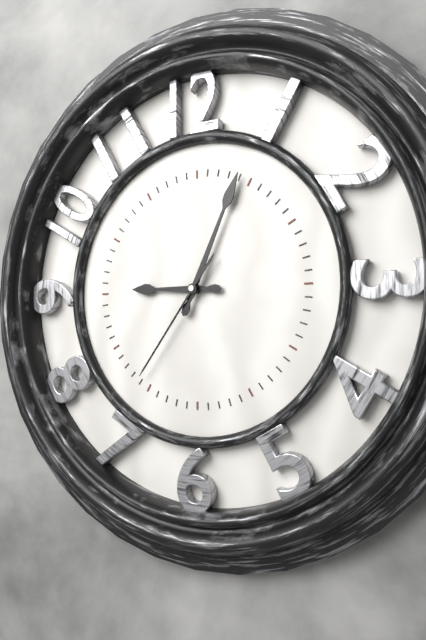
9 h 04 min 36 s
